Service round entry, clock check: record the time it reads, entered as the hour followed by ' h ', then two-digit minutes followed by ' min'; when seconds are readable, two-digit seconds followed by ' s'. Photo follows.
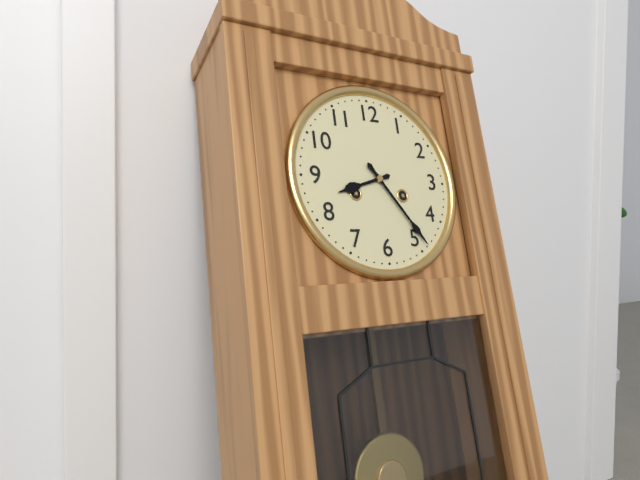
8 h 24 min
